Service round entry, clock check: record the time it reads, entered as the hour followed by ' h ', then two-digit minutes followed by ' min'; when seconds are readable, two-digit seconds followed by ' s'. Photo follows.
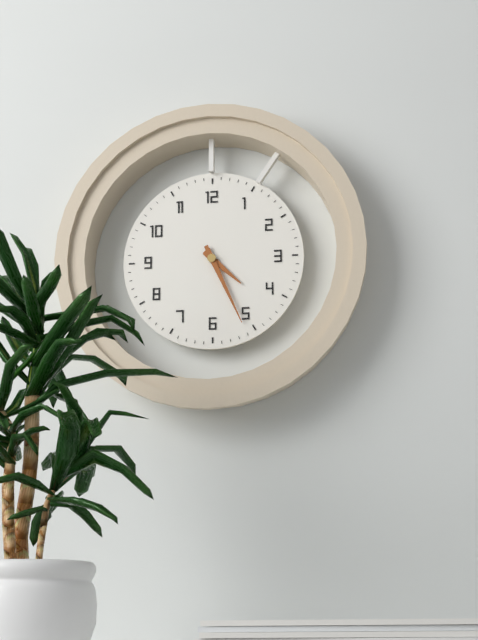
4 h 26 min
